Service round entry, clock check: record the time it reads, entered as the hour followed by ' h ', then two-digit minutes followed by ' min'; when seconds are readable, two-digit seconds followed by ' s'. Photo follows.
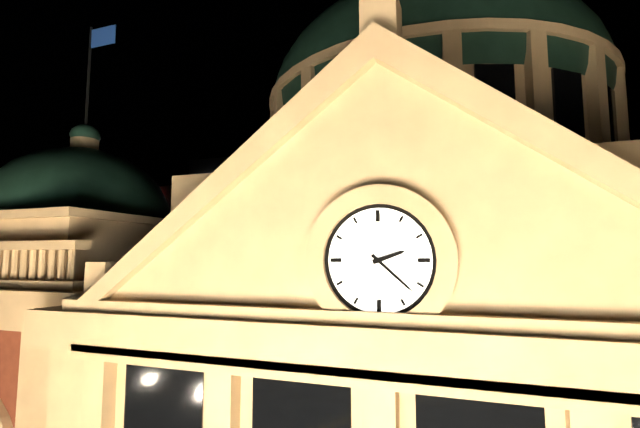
2 h 22 min
